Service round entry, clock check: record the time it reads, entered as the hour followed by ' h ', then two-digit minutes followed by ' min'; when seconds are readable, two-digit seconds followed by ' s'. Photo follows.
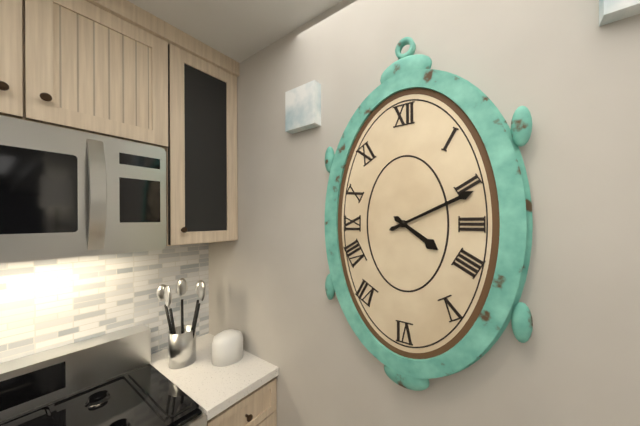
4 h 11 min
